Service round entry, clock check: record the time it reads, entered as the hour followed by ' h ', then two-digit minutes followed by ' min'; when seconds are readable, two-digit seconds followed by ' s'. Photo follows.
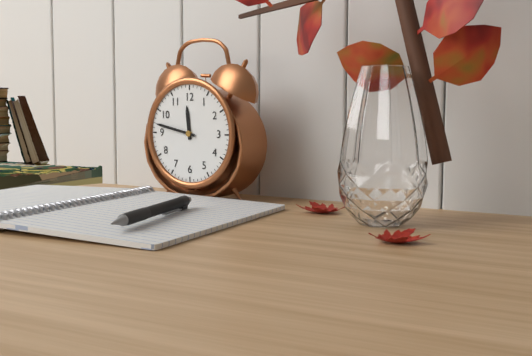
11 h 47 min
